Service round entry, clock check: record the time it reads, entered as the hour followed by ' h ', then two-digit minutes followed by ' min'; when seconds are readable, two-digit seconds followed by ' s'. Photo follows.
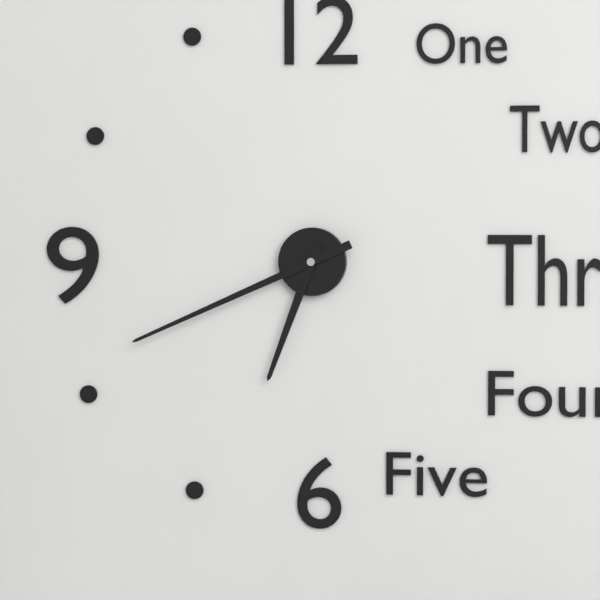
6 h 41 min
